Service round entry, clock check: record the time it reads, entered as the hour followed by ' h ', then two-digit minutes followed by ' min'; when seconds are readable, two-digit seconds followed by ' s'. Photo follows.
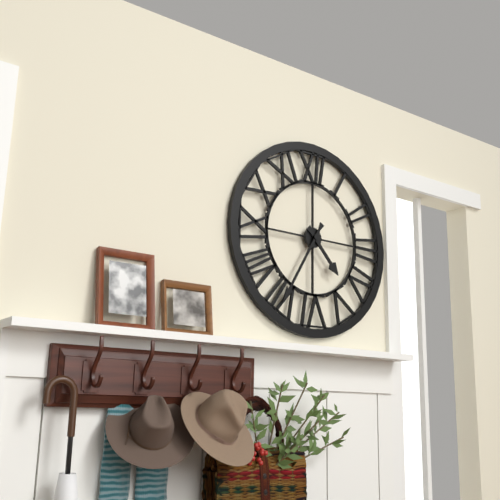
4 h 35 min
